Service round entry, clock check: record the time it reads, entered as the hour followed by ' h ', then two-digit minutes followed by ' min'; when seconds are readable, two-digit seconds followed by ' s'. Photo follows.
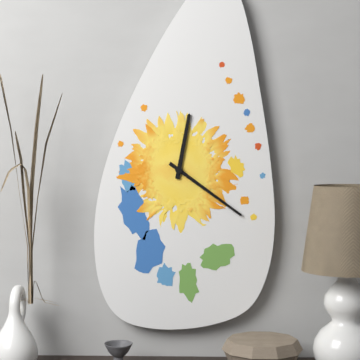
12 h 21 min
